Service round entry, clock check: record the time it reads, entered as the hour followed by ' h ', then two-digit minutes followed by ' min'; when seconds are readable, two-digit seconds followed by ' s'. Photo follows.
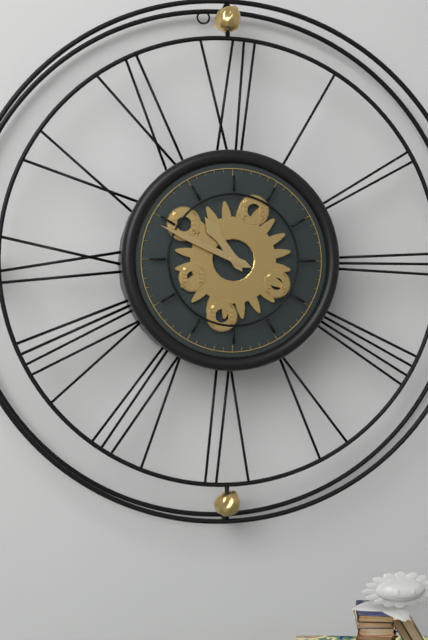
10 h 49 min
